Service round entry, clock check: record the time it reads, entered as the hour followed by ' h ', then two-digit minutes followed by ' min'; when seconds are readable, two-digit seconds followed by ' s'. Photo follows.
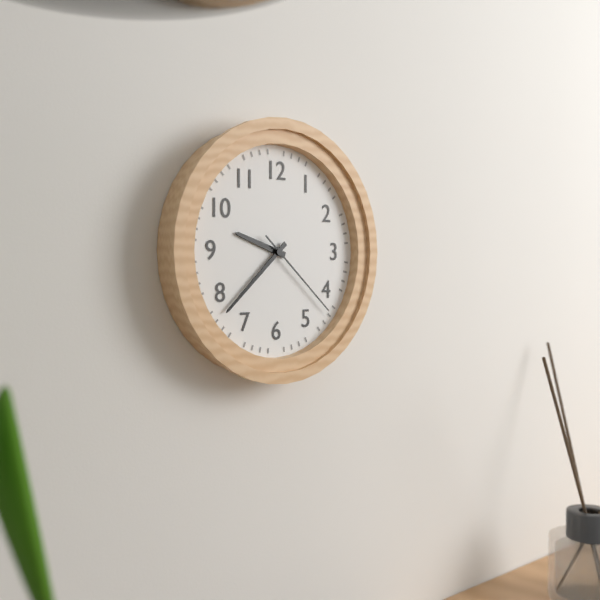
9 h 38 min 22 s
